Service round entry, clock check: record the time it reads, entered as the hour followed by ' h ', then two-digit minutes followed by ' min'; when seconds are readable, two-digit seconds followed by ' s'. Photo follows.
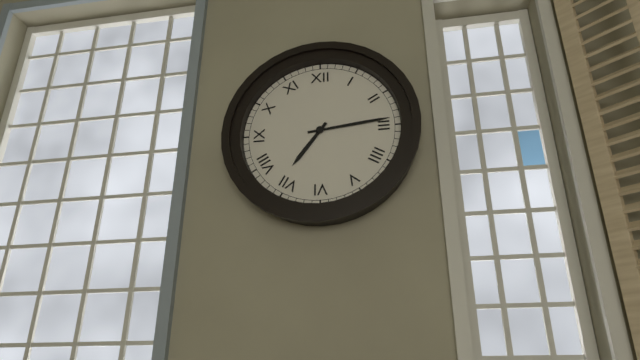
7 h 14 min
